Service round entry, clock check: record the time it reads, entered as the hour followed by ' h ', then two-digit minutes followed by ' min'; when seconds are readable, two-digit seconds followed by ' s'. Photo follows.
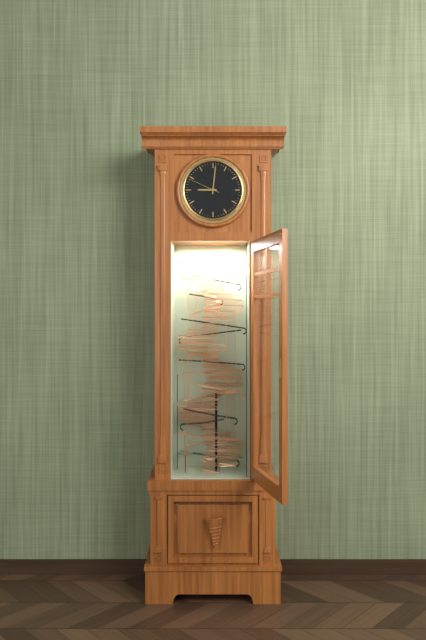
9 h 01 min
